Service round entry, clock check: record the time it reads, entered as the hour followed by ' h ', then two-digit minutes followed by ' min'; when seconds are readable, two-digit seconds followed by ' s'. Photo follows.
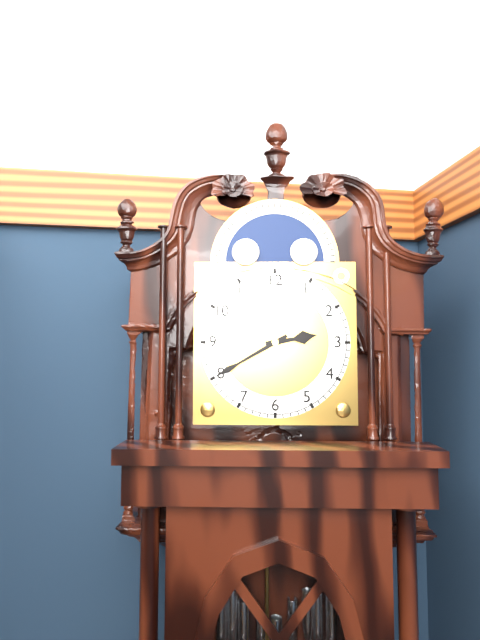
2 h 40 min
